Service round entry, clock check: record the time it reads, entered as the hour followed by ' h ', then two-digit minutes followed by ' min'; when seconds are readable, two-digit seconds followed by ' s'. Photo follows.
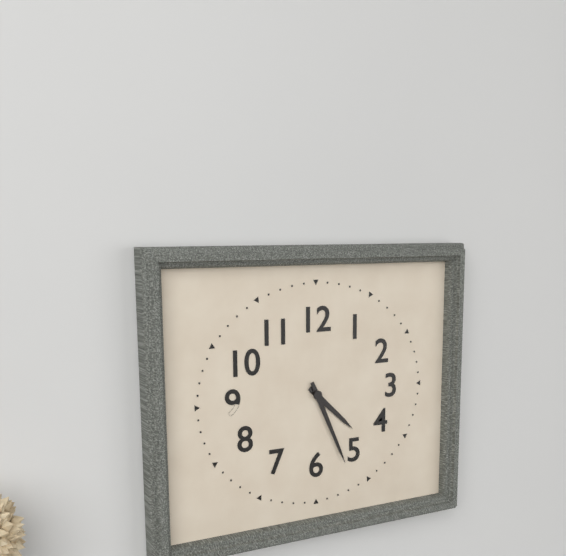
4 h 26 min
